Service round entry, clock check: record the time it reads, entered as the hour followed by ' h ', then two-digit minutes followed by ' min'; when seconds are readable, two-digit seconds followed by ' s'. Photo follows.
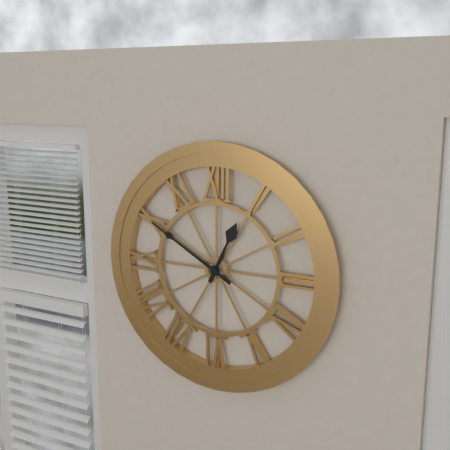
12 h 50 min
